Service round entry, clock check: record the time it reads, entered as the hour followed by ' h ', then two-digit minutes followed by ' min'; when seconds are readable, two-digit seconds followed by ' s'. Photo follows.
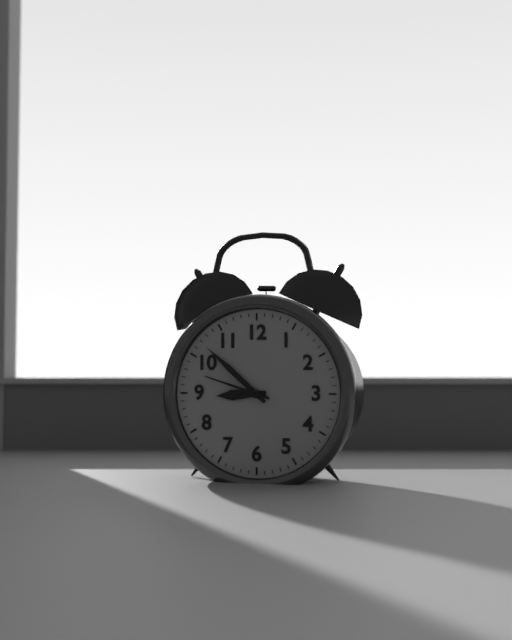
8 h 52 min 48 s
